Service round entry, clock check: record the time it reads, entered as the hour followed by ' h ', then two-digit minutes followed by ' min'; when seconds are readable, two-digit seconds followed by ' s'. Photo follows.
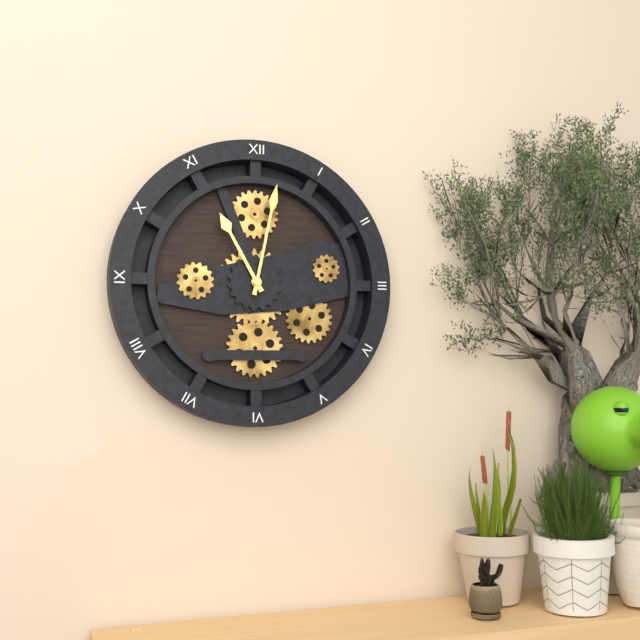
11 h 02 min
